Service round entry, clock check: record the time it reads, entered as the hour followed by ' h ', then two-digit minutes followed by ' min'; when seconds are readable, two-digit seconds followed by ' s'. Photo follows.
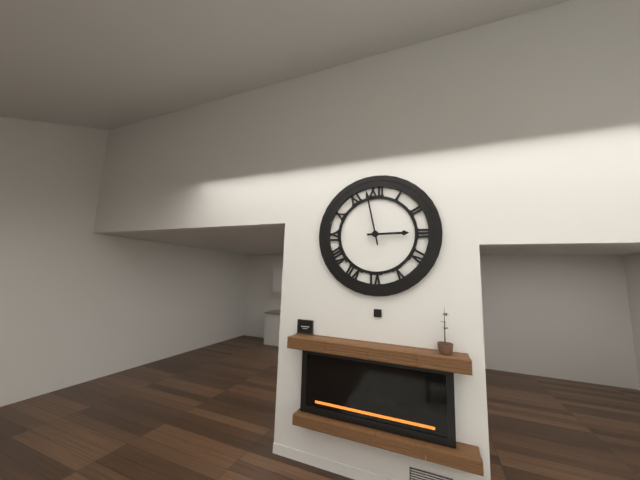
2 h 58 min
